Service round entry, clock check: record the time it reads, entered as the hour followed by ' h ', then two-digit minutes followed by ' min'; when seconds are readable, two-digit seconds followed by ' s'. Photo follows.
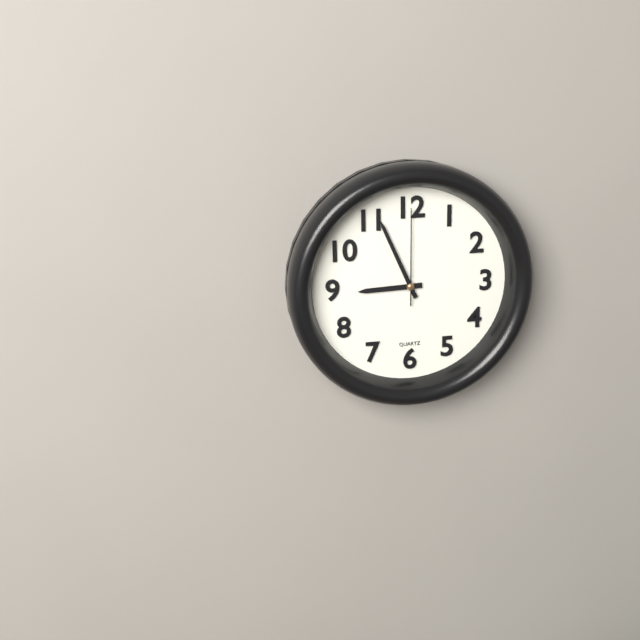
8 h 56 min 00 s
